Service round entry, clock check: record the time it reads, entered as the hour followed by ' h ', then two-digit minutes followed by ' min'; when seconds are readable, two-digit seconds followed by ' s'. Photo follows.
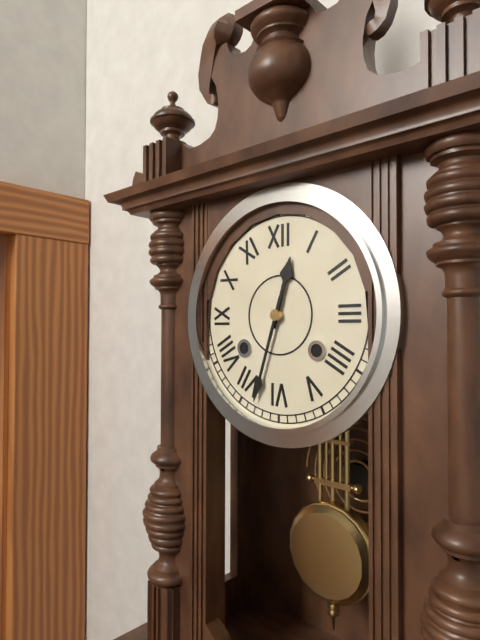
12 h 33 min
